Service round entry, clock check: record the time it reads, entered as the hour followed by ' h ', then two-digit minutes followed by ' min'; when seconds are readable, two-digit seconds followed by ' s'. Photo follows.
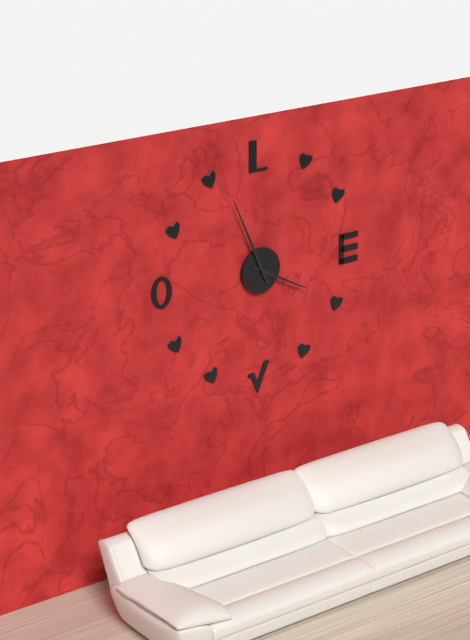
3 h 56 min
